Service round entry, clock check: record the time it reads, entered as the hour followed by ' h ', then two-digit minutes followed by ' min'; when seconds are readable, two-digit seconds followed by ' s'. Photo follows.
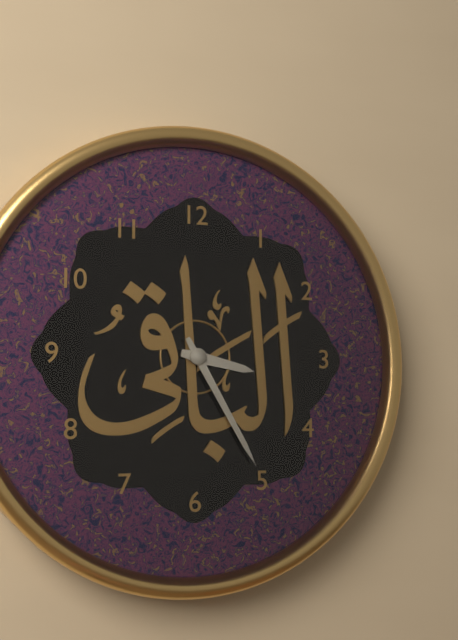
3 h 25 min
